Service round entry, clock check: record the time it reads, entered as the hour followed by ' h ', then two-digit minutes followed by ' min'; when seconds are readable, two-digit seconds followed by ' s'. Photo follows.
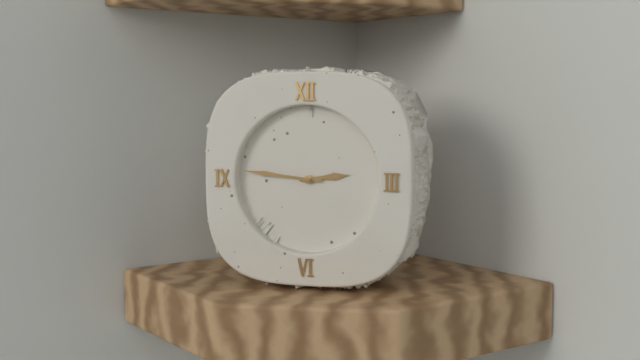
2 h 46 min
